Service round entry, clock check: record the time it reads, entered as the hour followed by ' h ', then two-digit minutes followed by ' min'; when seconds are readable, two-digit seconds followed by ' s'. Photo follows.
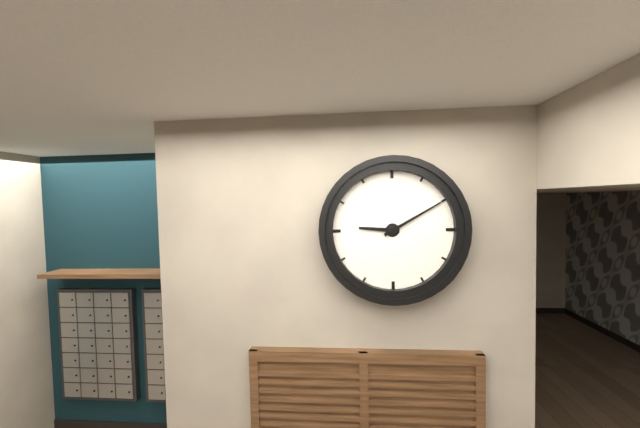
9 h 10 min
